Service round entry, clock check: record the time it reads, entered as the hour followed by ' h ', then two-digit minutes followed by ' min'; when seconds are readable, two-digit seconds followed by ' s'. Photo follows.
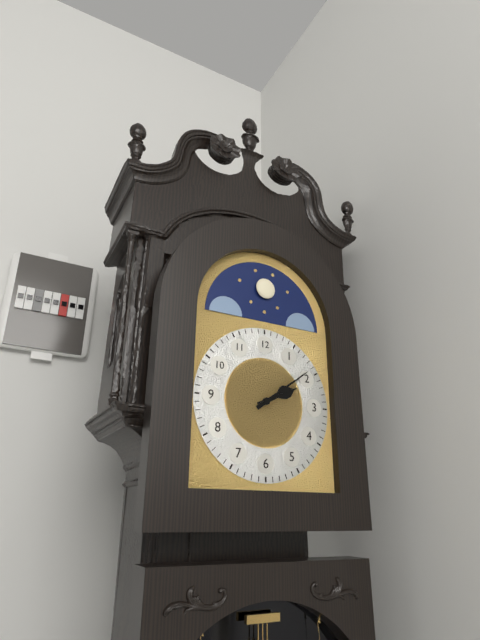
2 h 09 min
